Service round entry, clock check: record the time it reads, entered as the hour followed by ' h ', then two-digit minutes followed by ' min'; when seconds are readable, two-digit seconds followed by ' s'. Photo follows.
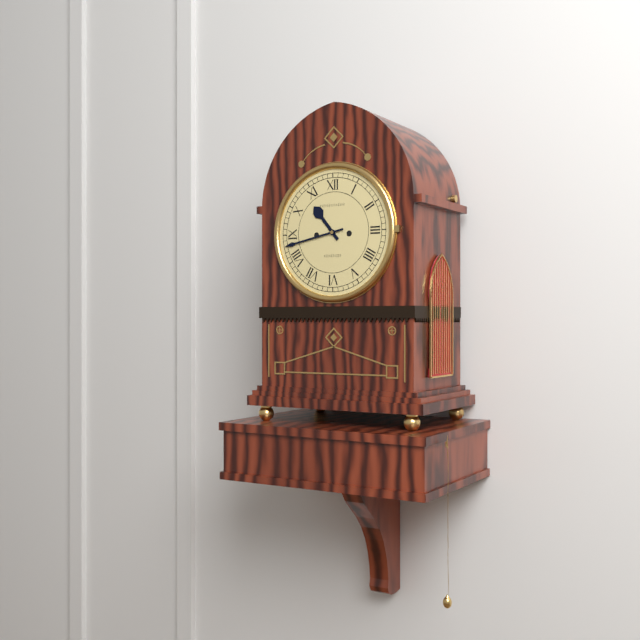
10 h 43 min
